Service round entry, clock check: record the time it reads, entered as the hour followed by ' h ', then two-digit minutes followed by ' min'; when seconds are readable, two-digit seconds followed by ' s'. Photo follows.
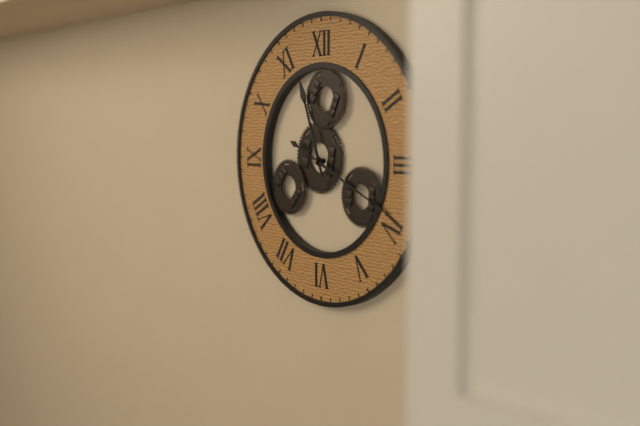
11 h 19 min
